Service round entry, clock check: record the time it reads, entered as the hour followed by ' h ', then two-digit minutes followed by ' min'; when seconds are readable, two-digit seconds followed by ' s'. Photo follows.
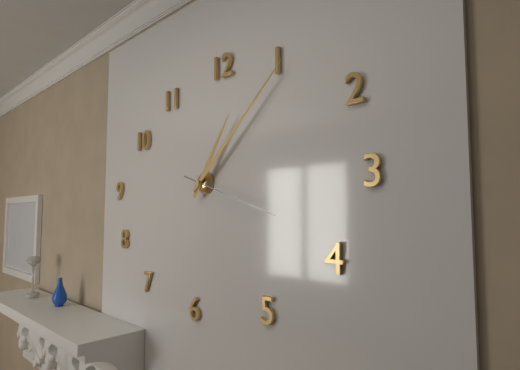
1 h 08 min 18 s
